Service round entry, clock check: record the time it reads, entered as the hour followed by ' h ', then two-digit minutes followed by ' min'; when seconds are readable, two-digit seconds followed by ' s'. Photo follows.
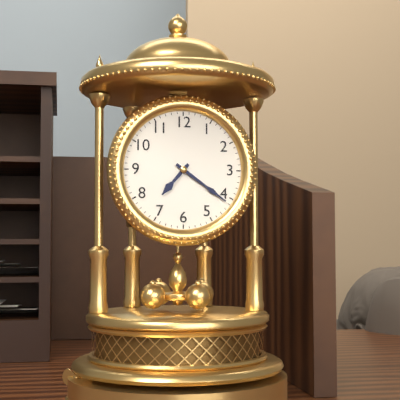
7 h 21 min
